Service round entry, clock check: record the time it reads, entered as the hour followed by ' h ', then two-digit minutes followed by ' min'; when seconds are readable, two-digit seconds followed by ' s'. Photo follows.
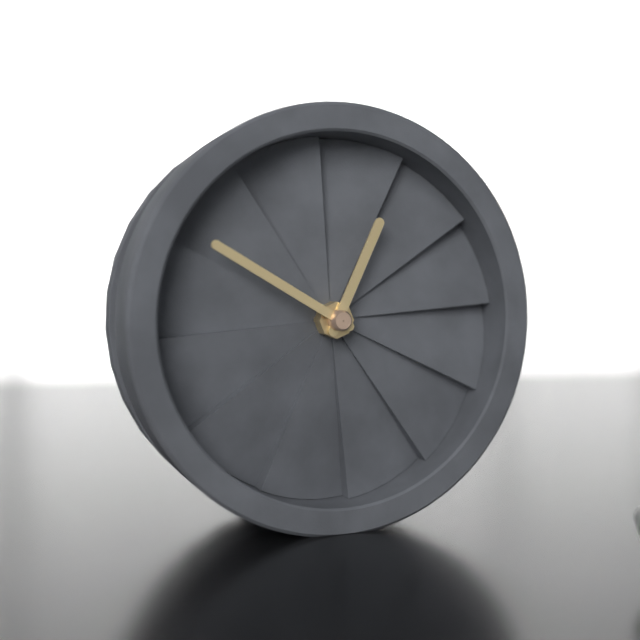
12 h 50 min
